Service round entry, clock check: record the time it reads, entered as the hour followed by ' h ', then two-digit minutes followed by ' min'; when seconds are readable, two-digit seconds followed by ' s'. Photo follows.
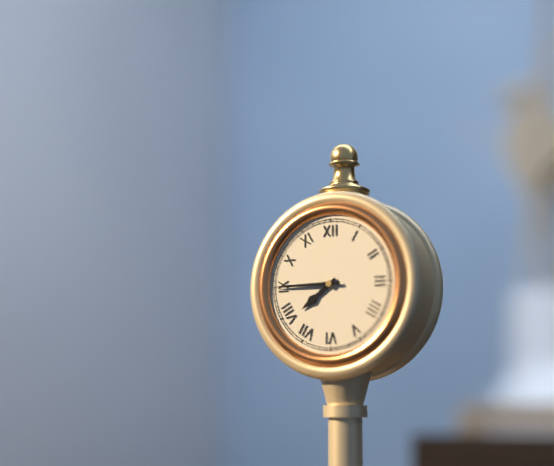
7 h 45 min
